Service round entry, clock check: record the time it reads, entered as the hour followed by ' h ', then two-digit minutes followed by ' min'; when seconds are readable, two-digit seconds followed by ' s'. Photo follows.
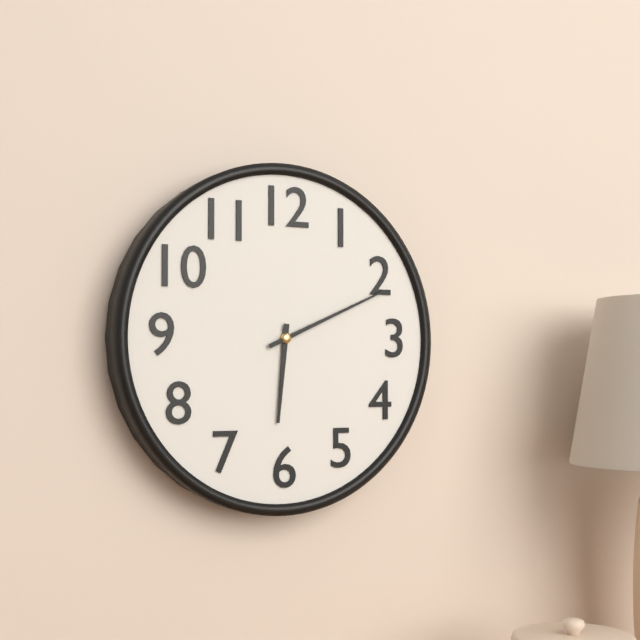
6 h 11 min
